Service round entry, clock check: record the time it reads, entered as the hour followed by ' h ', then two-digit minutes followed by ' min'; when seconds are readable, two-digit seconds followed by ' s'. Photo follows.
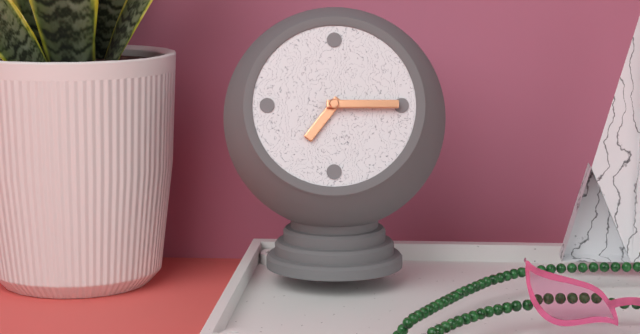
7 h 15 min
